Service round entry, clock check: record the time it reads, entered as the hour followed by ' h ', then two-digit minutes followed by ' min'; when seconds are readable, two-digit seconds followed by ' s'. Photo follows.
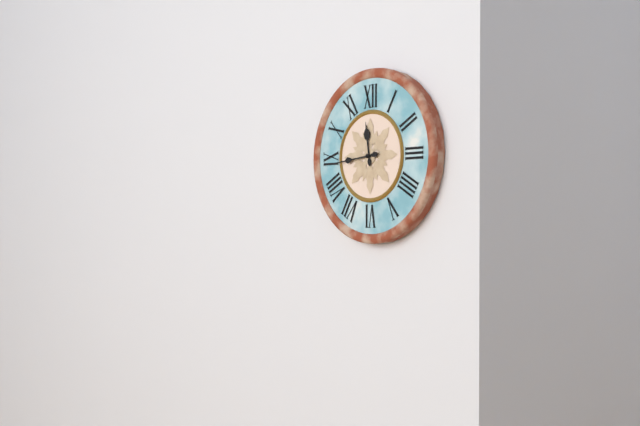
11 h 44 min
